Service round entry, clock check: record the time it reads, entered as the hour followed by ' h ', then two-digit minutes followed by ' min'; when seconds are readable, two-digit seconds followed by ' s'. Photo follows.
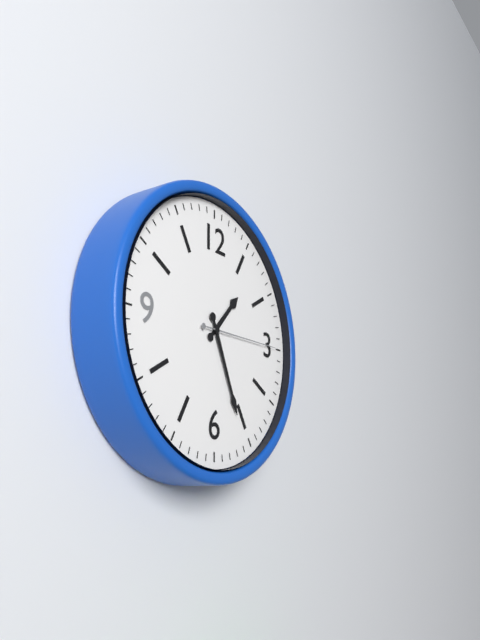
1 h 26 min 15 s
